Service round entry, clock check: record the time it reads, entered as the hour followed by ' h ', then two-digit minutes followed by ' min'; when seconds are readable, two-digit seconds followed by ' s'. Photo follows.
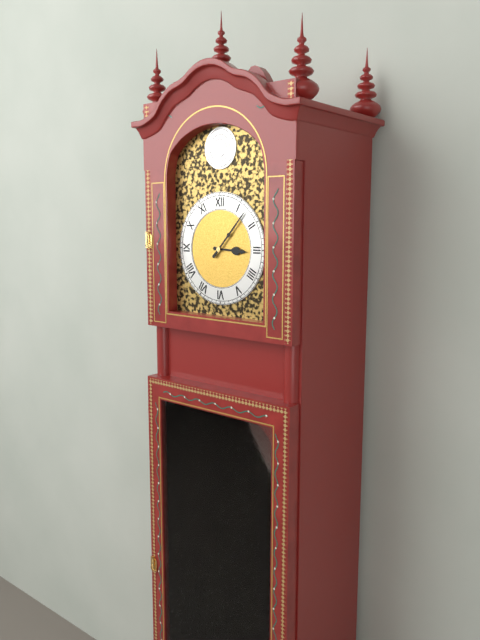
3 h 07 min
